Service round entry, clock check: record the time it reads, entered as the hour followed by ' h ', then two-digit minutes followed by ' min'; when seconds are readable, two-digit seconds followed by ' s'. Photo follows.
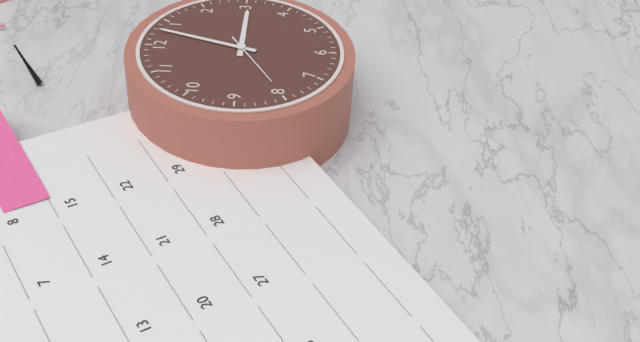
3 h 03 min 40 s
